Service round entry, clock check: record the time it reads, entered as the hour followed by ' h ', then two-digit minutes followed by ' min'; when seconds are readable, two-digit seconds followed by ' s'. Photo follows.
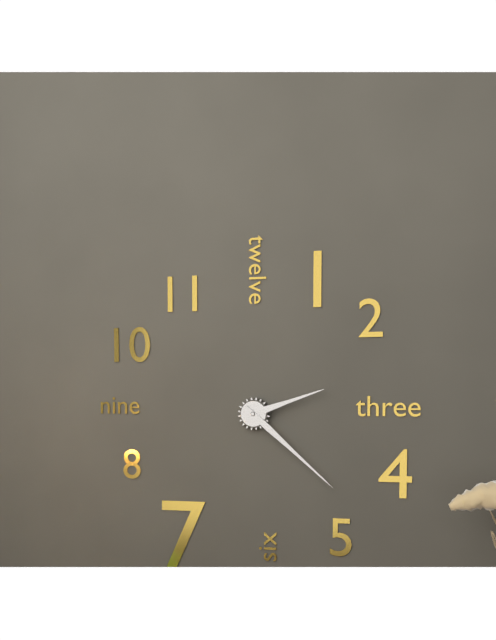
2 h 22 min
